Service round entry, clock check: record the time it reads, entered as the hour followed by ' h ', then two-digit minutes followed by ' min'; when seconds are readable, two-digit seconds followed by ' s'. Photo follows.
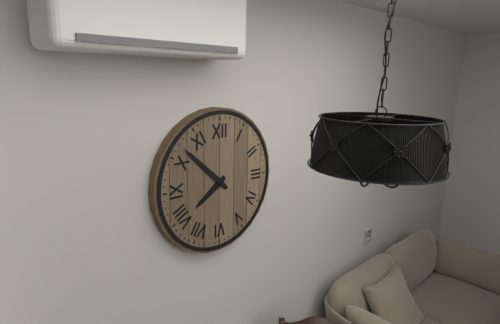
7 h 52 min
